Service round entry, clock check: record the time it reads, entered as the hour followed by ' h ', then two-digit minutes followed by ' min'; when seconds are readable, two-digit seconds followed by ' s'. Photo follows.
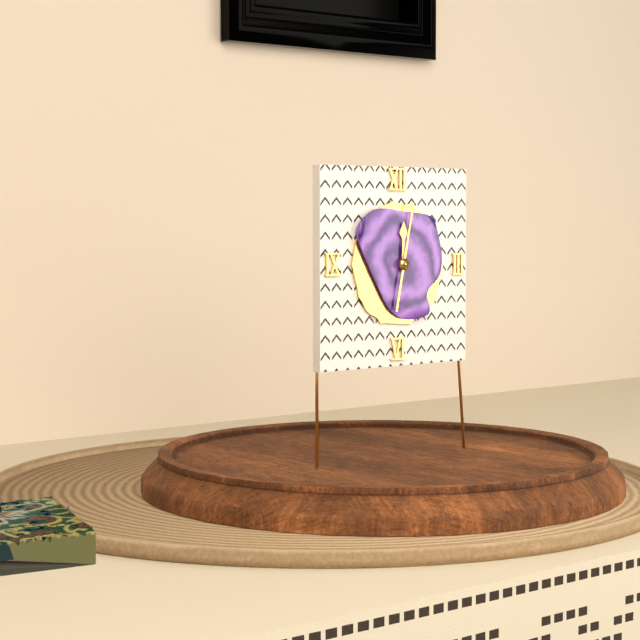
12 h 02 min
